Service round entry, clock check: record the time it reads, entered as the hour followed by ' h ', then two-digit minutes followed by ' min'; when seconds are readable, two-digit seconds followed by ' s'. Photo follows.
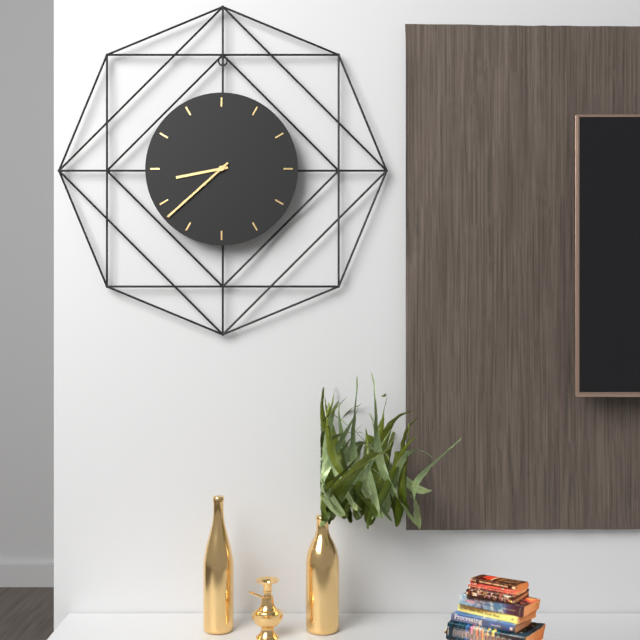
8 h 38 min
